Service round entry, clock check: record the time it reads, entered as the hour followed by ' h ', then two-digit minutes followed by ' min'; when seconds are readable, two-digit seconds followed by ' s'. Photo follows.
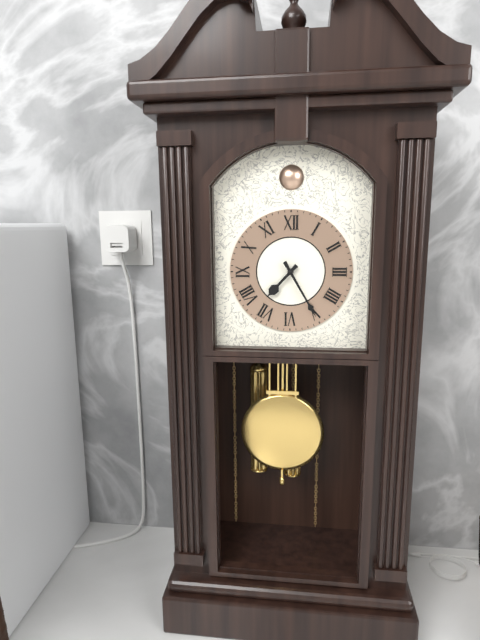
7 h 25 min
